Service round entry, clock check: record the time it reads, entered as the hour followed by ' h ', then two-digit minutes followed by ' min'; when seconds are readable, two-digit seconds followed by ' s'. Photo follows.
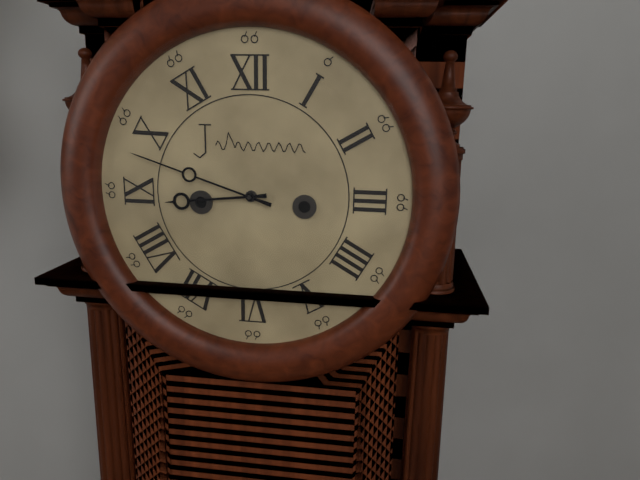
8 h 48 min
